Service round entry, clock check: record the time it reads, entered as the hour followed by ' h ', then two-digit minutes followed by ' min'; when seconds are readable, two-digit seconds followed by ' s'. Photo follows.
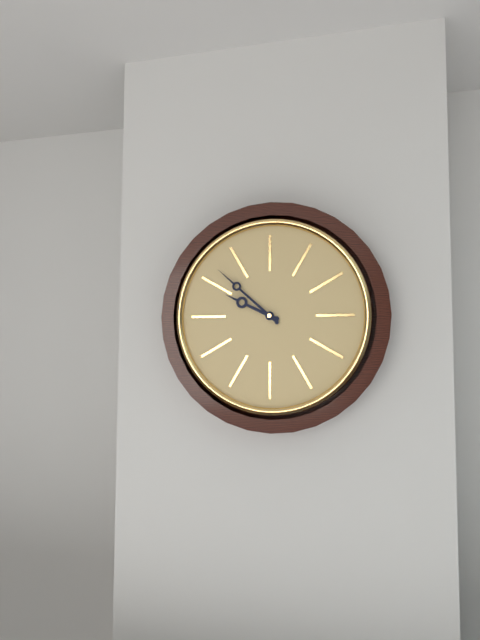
9 h 52 min
